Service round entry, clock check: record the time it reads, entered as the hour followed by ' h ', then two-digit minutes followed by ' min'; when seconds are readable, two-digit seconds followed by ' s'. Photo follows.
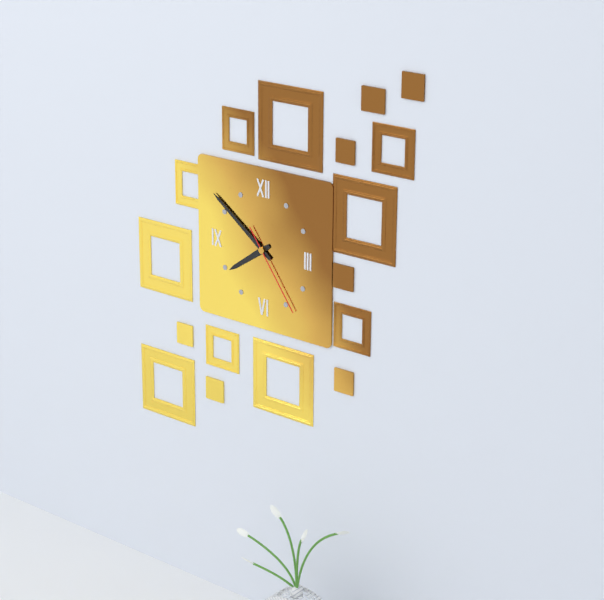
7 h 51 min 24 s
